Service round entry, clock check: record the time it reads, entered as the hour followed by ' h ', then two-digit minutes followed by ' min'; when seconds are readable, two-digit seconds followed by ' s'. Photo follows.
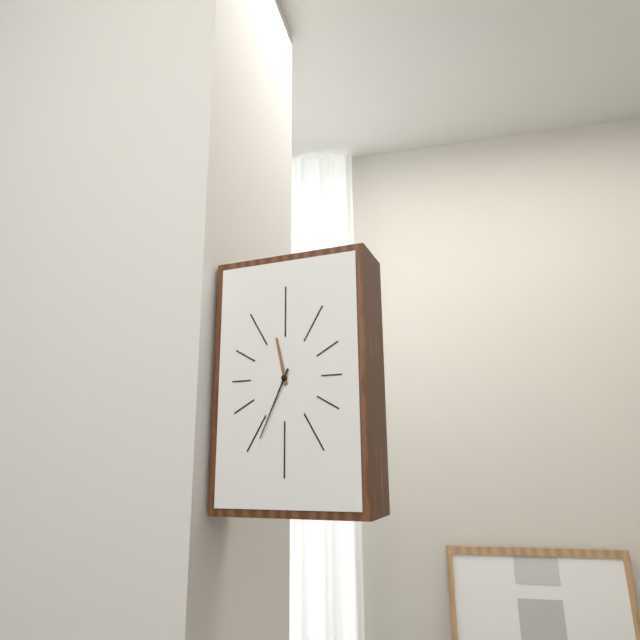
11 h 34 min
